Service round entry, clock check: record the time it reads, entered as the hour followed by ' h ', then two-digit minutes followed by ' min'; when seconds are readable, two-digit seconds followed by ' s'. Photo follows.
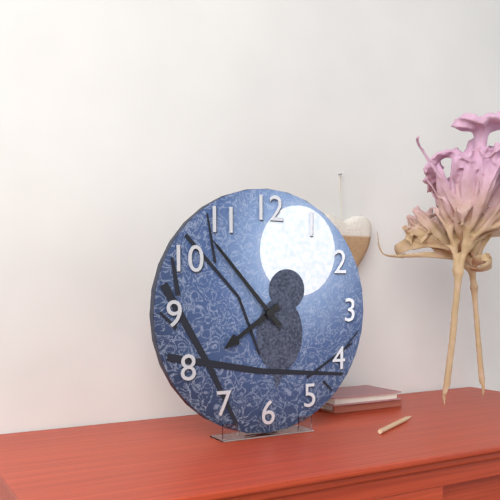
7 h 53 min
